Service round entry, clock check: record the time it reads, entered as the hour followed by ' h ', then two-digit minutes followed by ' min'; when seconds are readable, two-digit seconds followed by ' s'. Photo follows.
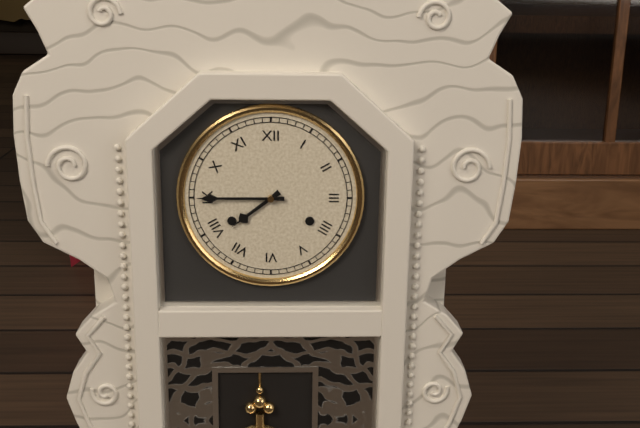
7 h 45 min
